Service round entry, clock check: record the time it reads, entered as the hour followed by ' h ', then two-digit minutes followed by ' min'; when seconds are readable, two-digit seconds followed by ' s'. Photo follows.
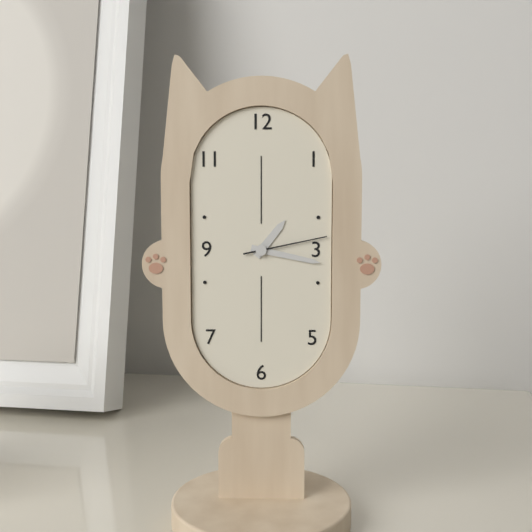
1 h 17 min 13 s
